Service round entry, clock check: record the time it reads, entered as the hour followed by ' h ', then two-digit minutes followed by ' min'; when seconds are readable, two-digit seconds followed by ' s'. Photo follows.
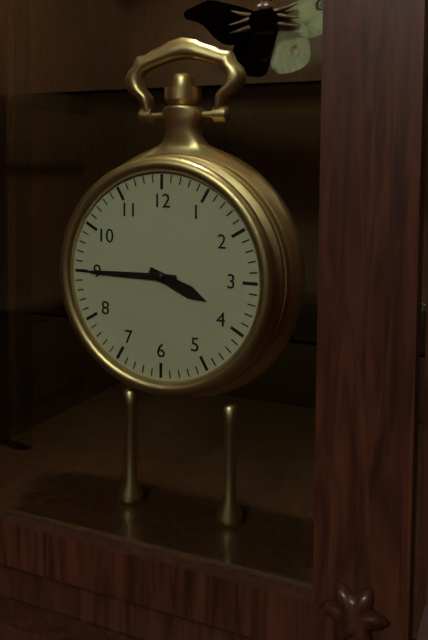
3 h 45 min
